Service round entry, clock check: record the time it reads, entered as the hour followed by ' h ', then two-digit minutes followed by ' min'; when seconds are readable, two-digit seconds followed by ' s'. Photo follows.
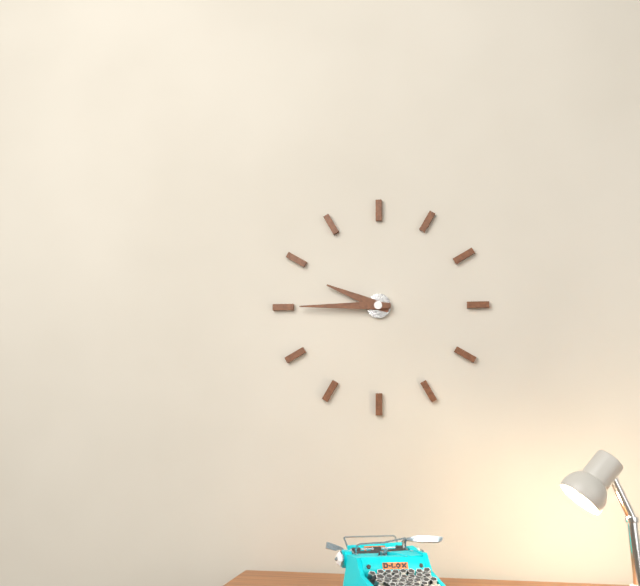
9 h 45 min
